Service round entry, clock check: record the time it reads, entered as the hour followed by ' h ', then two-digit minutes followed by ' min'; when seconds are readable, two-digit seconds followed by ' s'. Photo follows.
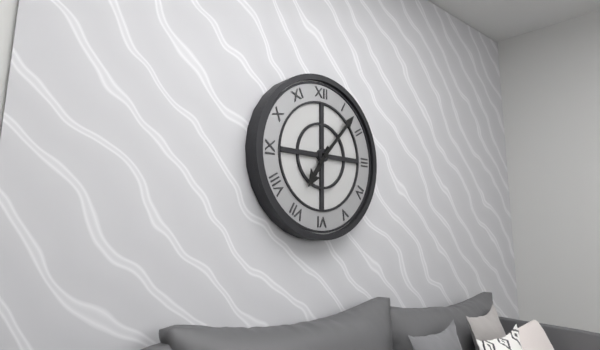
7 h 07 min
